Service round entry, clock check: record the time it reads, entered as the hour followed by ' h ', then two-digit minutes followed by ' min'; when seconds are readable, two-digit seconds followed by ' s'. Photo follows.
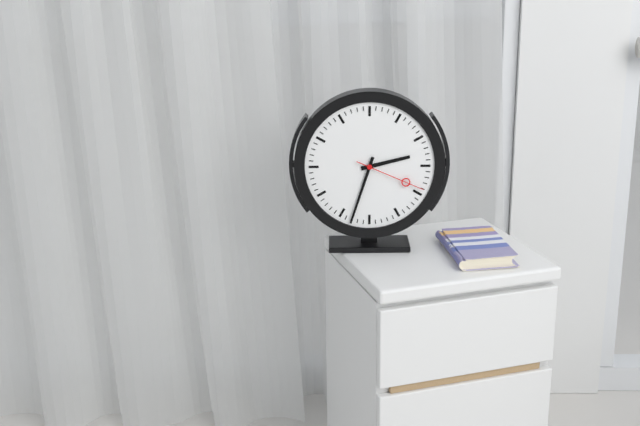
2 h 33 min 19 s
